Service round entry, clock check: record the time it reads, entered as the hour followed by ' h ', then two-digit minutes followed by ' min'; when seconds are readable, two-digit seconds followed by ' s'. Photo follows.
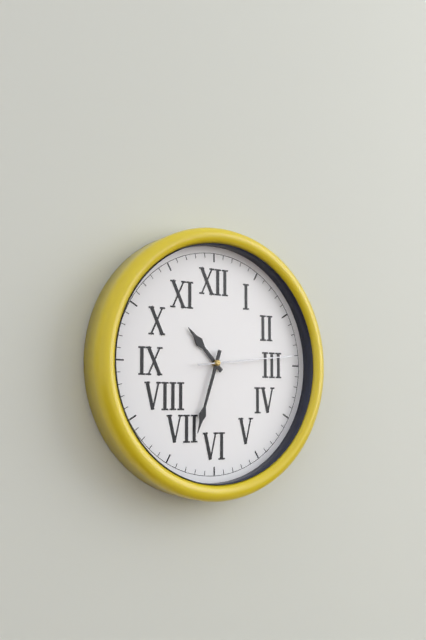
10 h 33 min 14 s
